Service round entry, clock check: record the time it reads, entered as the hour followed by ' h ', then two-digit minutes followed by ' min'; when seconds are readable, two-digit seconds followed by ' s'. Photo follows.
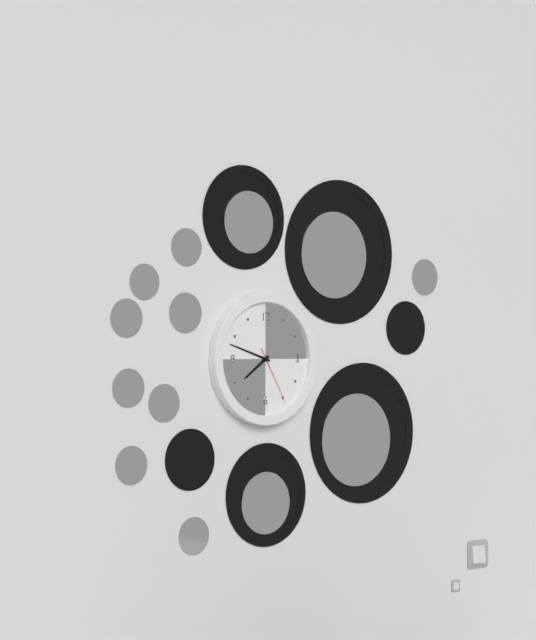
7 h 48 min 25 s
